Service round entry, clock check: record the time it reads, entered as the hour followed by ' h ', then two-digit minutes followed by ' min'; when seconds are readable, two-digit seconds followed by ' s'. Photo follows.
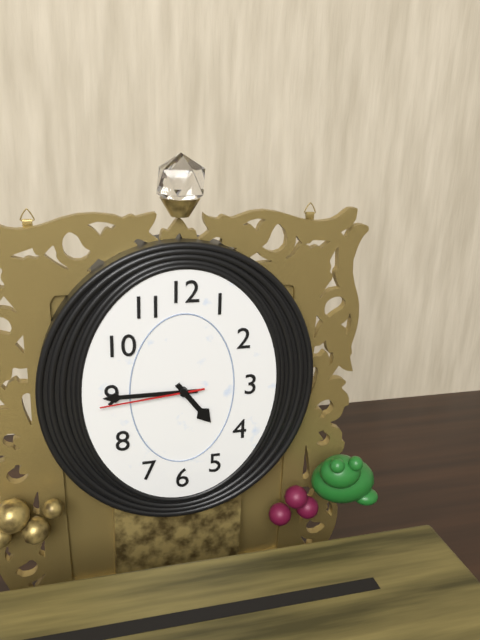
4 h 45 min 44 s
